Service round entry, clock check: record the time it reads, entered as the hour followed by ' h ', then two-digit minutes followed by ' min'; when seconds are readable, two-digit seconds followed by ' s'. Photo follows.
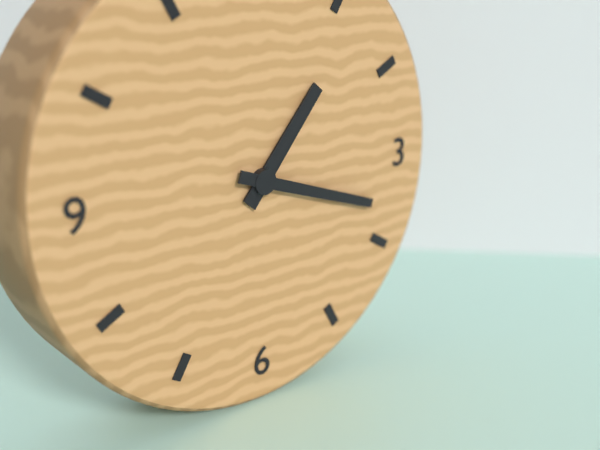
1 h 18 min
